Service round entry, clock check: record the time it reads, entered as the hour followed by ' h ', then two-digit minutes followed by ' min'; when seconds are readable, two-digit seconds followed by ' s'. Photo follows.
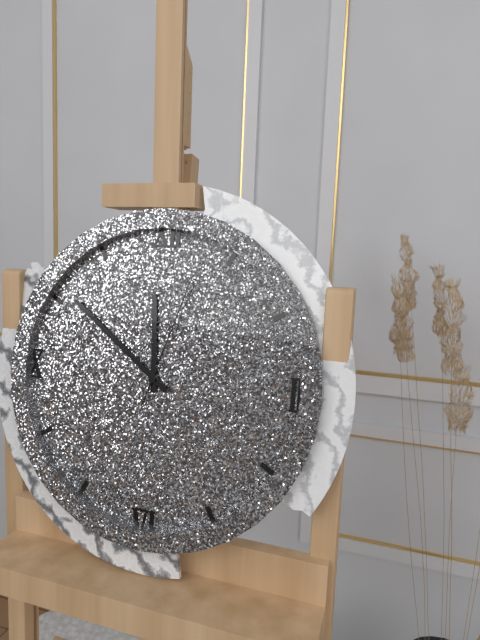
11 h 51 min 03 s
